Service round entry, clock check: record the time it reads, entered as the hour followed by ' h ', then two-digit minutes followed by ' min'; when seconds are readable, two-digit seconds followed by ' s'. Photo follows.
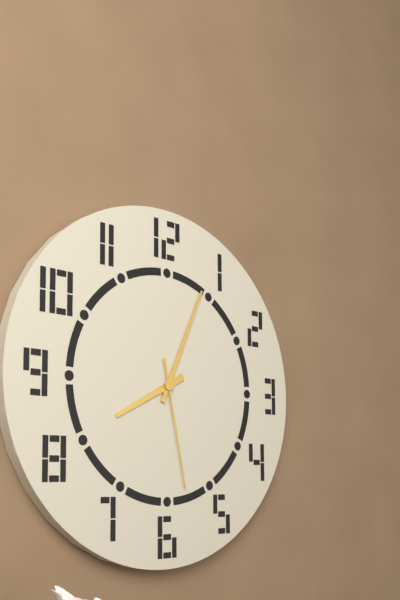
8 h 04 min 28 s
